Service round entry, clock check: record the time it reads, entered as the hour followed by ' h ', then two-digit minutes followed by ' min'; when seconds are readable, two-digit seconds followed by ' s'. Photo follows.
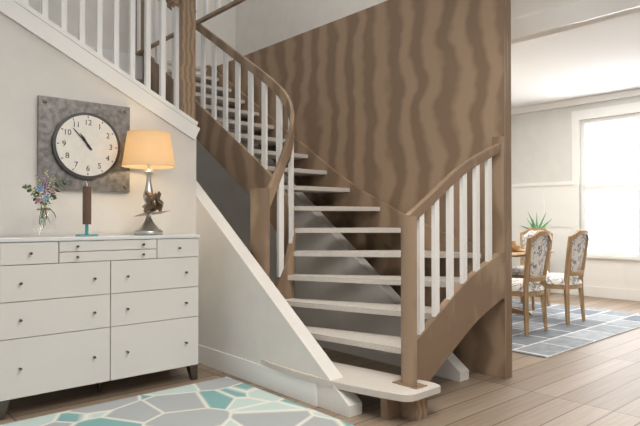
10 h 53 min
